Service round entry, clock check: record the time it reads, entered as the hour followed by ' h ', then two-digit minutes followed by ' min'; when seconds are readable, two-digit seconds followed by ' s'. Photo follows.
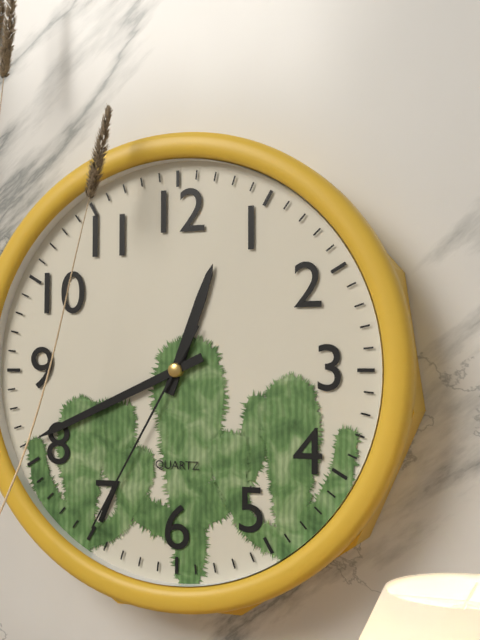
12 h 41 min 35 s
